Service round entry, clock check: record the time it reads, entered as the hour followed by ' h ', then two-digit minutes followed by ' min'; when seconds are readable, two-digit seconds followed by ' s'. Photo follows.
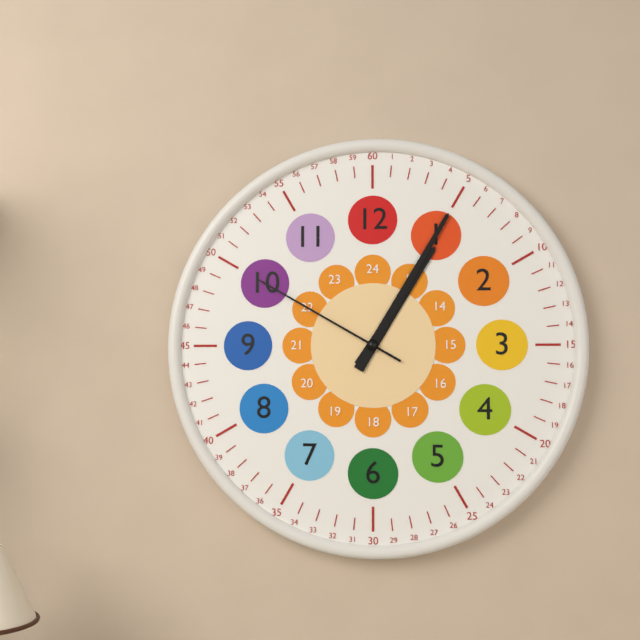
1 h 05 min 50 s
